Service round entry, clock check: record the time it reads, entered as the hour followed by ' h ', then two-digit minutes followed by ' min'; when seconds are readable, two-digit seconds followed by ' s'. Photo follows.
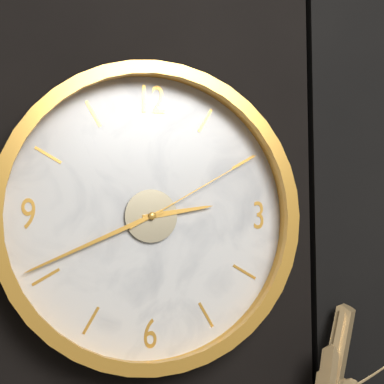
2 h 41 min 10 s
